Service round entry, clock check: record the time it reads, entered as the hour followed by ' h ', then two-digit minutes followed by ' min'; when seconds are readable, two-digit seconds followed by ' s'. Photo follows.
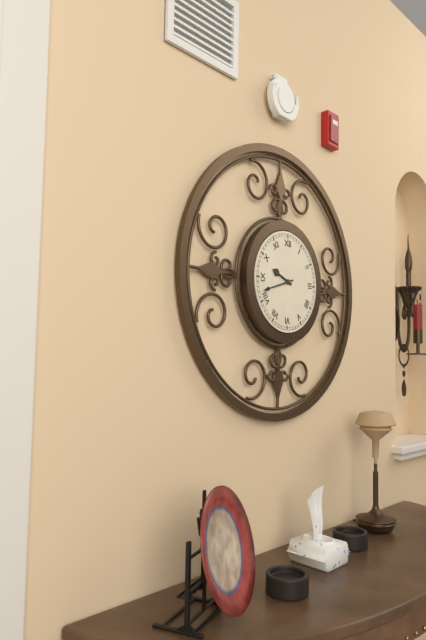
9 h 42 min
